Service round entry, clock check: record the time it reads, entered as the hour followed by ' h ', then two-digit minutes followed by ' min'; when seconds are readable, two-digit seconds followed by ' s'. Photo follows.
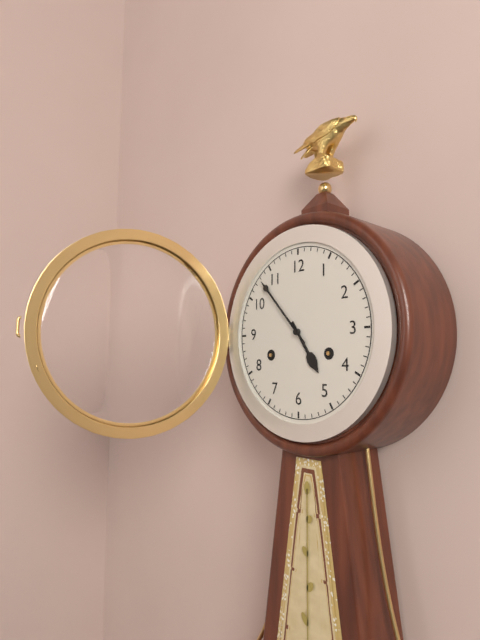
4 h 53 min
